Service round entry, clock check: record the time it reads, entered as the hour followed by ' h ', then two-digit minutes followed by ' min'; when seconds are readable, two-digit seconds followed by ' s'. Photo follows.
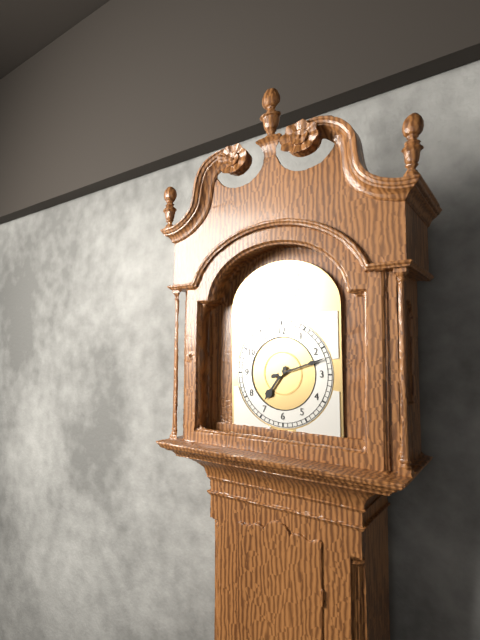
7 h 12 min
